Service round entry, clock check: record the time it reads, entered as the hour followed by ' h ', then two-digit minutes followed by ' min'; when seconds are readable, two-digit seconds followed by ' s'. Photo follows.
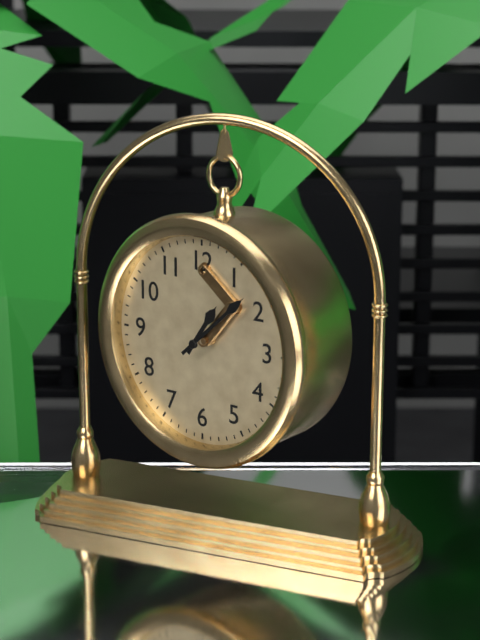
1 h 08 min
